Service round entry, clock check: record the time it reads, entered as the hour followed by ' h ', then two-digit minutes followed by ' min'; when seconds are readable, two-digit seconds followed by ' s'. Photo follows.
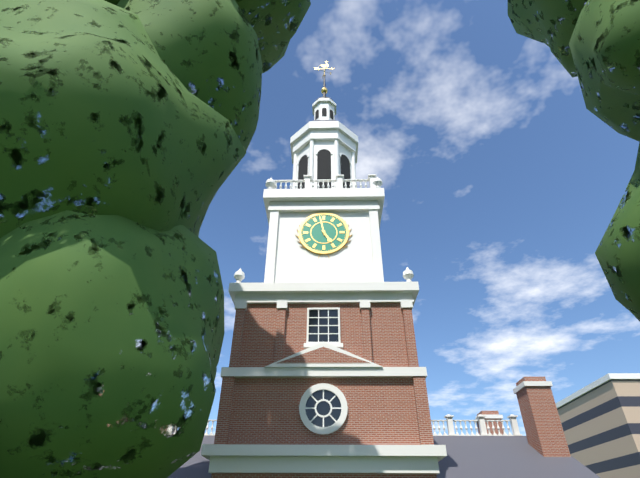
4 h 58 min
